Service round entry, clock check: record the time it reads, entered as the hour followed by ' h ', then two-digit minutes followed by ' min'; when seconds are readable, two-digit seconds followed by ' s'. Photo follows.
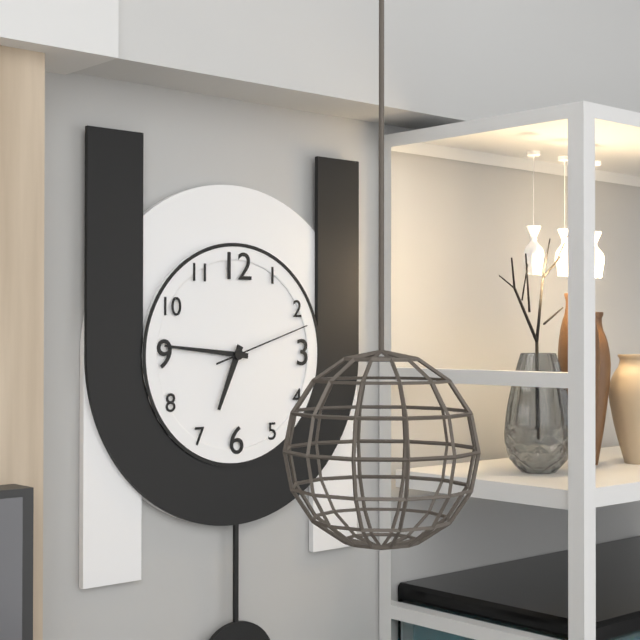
6 h 46 min 12 s
